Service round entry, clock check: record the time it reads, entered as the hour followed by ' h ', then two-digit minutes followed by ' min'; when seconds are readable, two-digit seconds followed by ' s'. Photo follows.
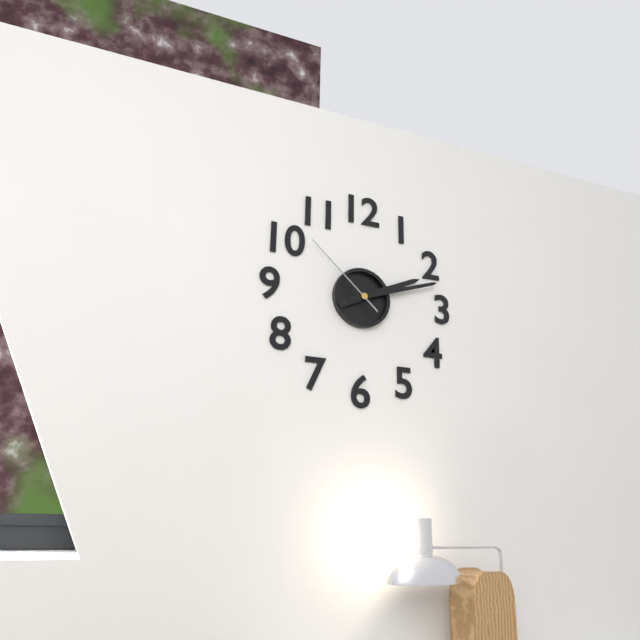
2 h 12 min 52 s
